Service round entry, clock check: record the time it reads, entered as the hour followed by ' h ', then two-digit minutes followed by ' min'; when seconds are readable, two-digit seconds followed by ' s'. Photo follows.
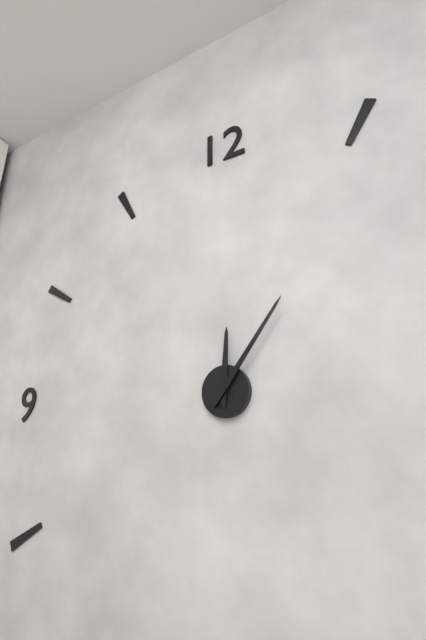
12 h 06 min
